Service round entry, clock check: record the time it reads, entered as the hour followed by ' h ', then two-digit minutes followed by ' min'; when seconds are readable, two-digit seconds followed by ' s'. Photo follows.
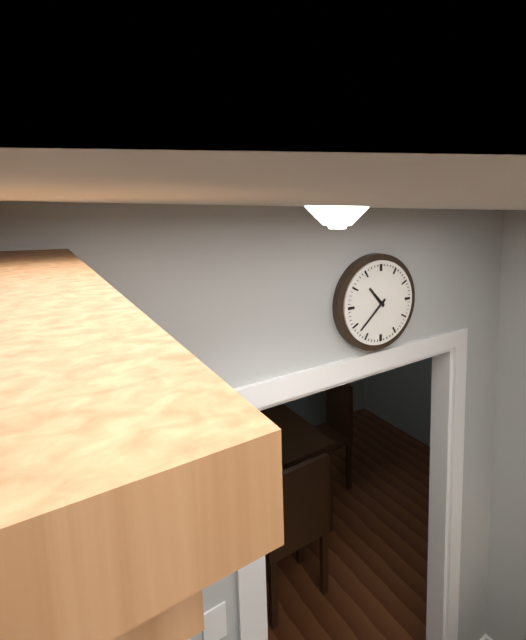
10 h 38 min
